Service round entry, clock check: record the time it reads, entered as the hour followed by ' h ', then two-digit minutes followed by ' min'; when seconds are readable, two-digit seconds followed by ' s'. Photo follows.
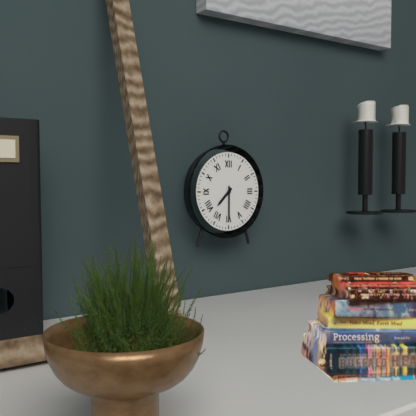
7 h 30 min
